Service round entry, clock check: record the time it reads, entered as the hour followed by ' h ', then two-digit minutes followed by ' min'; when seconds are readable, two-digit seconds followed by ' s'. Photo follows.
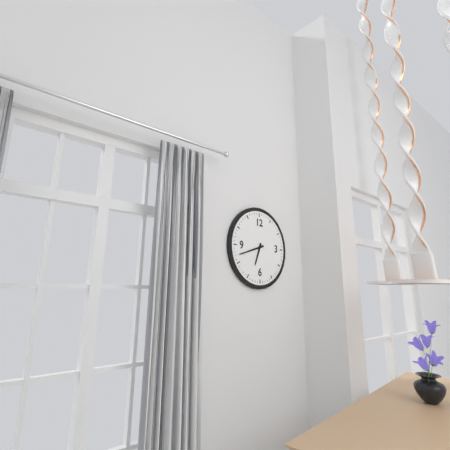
6 h 42 min
